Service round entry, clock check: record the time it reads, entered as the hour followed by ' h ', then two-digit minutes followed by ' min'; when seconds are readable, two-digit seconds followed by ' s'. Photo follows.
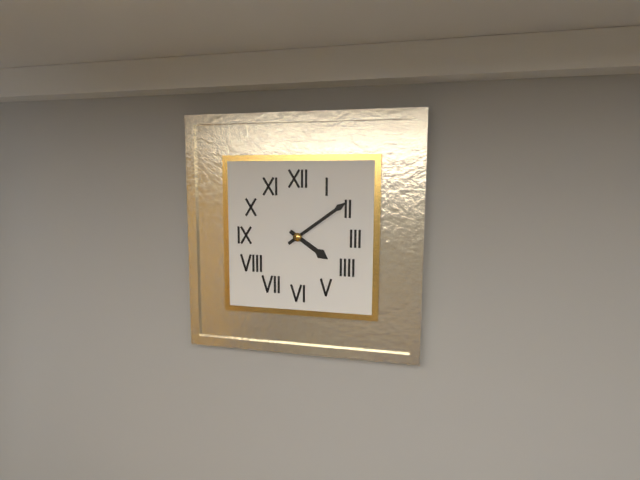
4 h 09 min
